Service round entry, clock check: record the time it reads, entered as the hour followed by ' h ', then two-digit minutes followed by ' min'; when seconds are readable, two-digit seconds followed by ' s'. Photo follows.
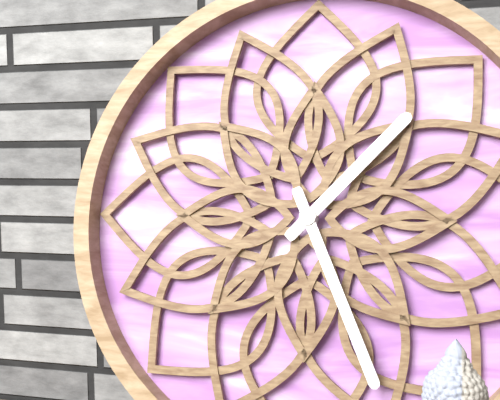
1 h 26 min
